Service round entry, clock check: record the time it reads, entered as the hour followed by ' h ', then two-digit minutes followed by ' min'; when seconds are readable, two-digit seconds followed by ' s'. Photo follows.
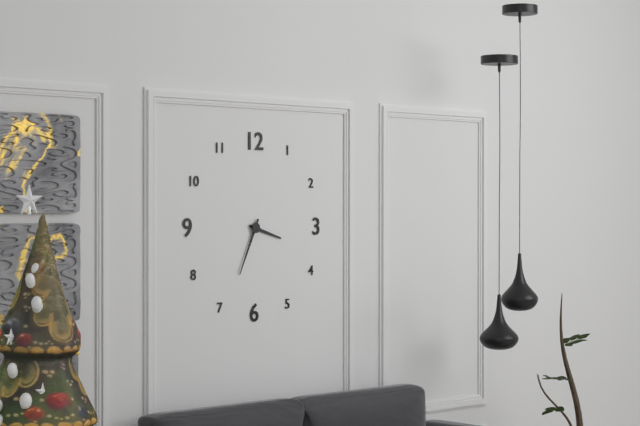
3 h 34 min
